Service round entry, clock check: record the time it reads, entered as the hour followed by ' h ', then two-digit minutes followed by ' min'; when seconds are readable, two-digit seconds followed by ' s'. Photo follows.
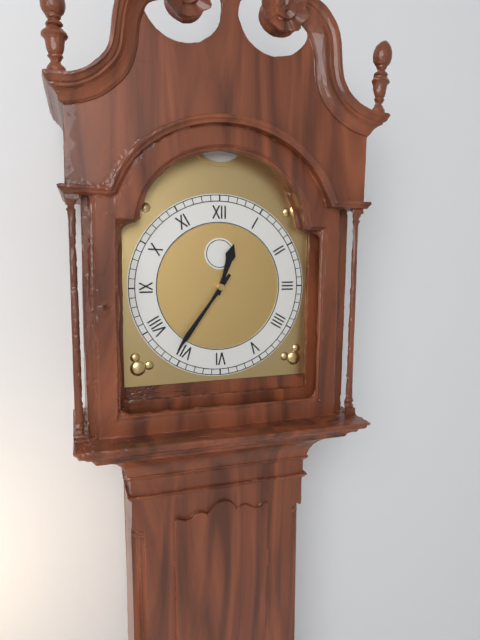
12 h 36 min
